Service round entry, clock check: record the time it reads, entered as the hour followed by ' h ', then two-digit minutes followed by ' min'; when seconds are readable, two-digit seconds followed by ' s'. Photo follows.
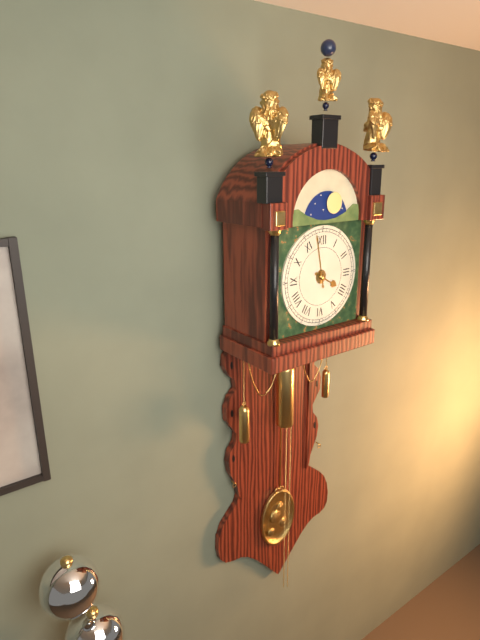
3 h 58 min
